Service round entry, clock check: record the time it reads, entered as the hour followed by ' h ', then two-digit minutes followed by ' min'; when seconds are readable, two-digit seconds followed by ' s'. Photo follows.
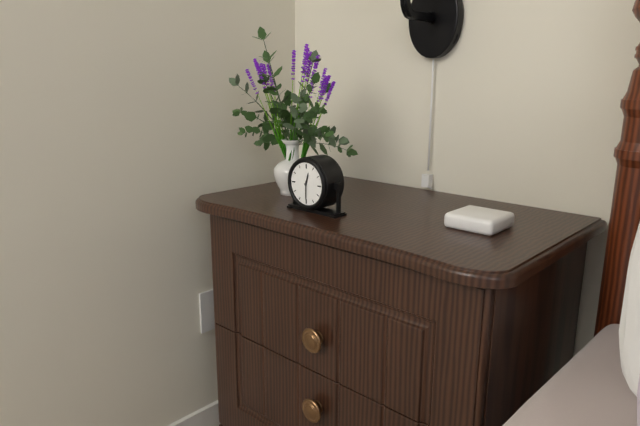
12 h 30 min
